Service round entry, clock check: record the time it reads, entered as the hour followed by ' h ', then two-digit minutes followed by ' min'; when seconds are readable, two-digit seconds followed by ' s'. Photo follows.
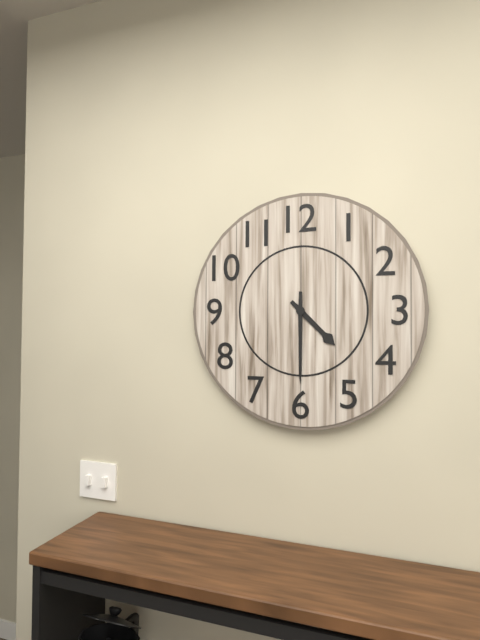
4 h 30 min
